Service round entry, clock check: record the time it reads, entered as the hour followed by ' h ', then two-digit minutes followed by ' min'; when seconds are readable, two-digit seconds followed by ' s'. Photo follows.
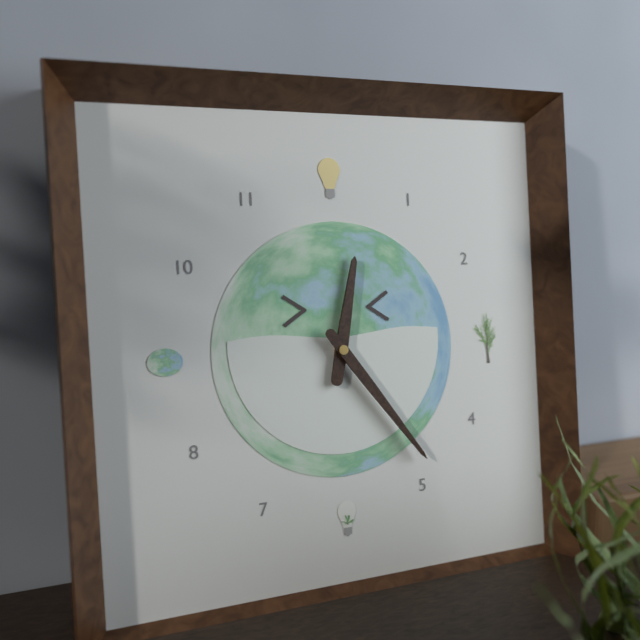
12 h 24 min
